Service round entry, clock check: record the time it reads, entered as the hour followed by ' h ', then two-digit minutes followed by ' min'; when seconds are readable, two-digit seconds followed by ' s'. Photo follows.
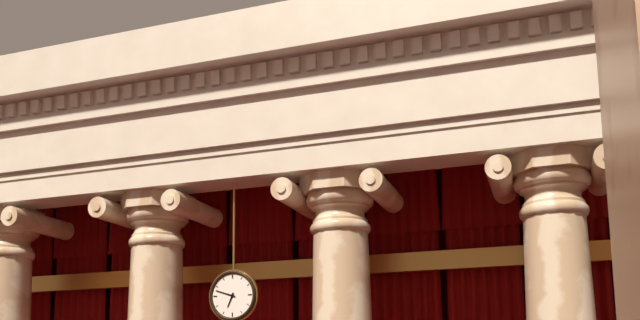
6 h 48 min
